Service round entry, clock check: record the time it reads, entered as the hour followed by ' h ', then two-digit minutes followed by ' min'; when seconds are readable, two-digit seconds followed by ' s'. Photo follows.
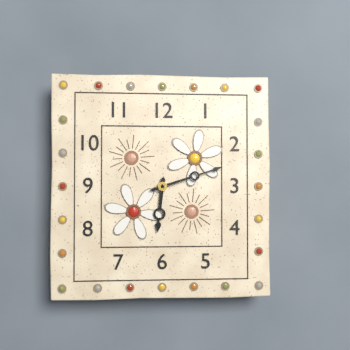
6 h 12 min
